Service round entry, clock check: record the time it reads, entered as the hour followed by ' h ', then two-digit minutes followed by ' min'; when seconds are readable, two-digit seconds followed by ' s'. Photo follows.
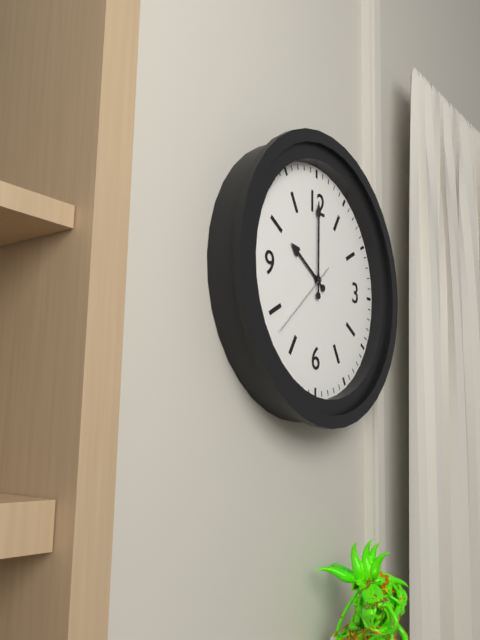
10 h 00 min 38 s
